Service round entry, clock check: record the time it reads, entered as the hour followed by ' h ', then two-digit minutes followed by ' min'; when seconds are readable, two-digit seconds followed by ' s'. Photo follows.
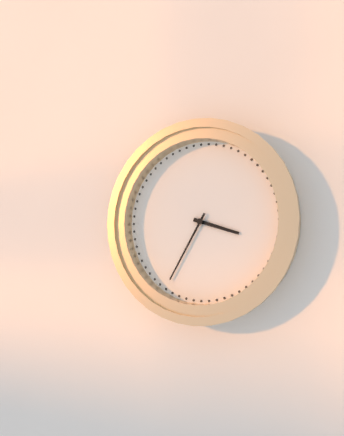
3 h 35 min
